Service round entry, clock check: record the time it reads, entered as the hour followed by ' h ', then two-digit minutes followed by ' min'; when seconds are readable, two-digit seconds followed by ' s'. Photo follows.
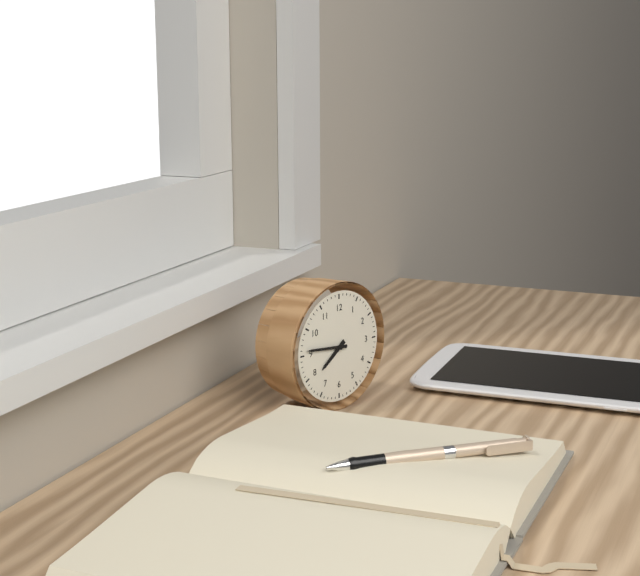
7 h 46 min
